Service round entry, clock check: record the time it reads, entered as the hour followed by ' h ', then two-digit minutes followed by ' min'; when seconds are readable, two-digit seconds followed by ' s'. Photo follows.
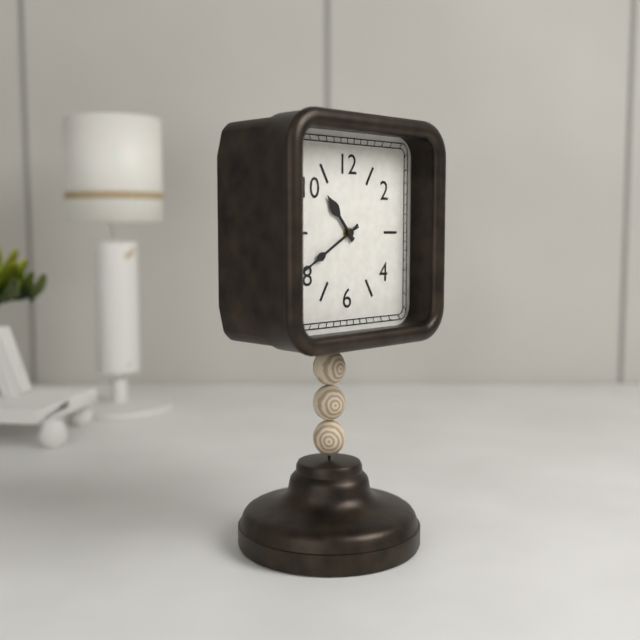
10 h 40 min
